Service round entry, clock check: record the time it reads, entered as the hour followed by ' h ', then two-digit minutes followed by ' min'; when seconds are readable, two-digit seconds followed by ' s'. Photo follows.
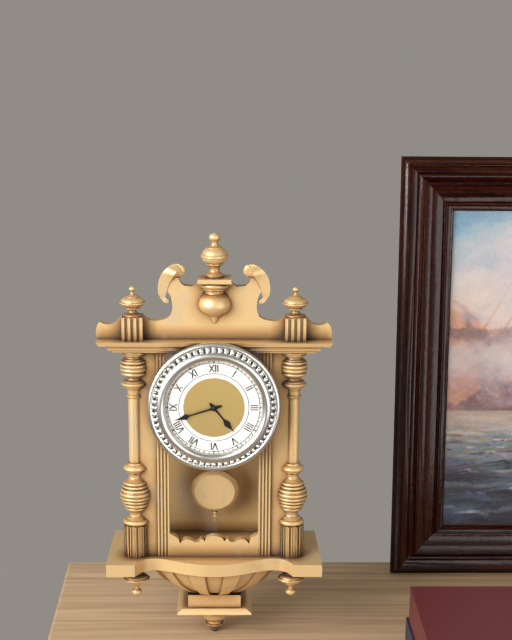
4 h 42 min
